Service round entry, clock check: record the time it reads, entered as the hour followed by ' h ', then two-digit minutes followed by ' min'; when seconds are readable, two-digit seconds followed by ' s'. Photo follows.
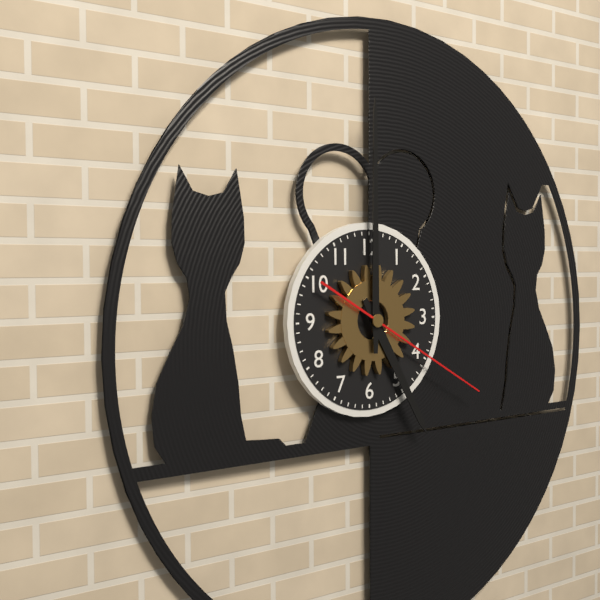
5 h 00 min 20 s
